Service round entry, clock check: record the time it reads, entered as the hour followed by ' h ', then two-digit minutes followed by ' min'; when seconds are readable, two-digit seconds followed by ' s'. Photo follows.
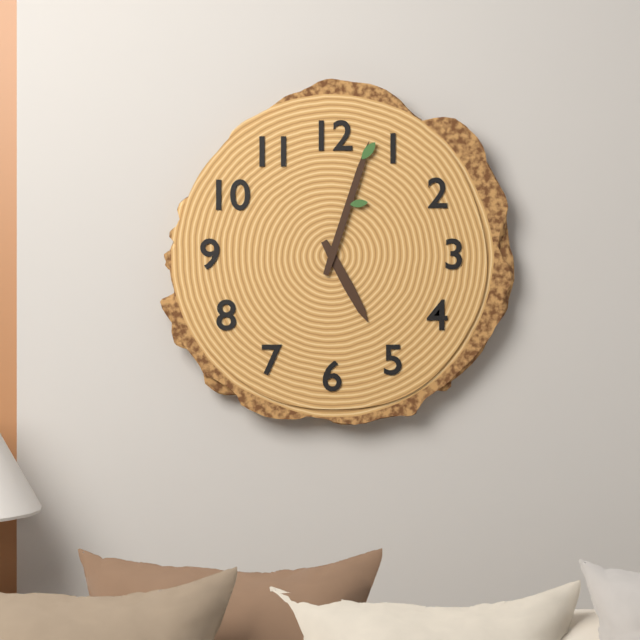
5 h 03 min
